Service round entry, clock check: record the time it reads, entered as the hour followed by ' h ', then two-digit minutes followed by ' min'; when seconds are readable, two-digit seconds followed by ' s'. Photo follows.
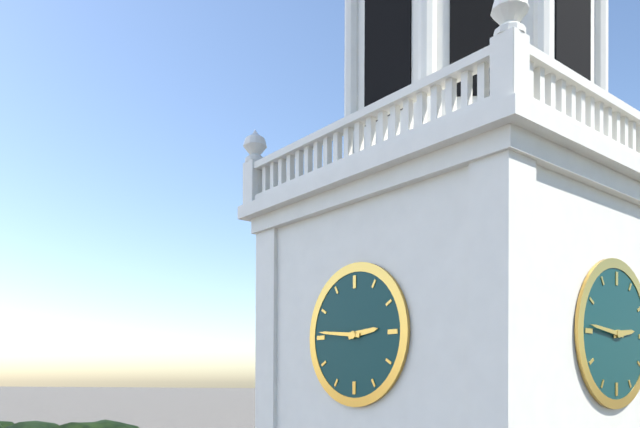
2 h 46 min
